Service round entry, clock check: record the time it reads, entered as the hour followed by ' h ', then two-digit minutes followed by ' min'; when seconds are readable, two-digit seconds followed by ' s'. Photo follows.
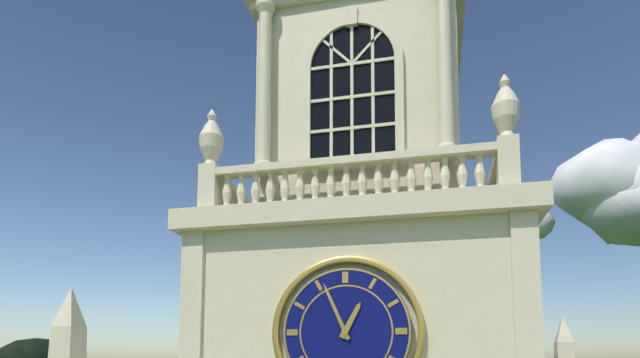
12 h 56 min
